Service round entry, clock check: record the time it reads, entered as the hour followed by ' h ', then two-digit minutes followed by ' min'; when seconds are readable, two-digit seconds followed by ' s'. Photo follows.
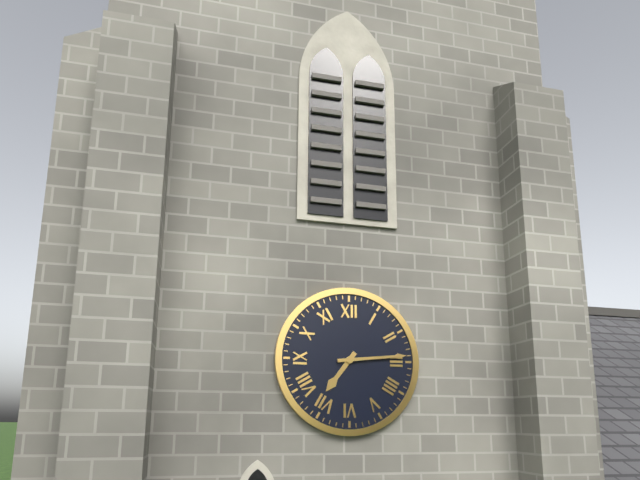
7 h 14 min
